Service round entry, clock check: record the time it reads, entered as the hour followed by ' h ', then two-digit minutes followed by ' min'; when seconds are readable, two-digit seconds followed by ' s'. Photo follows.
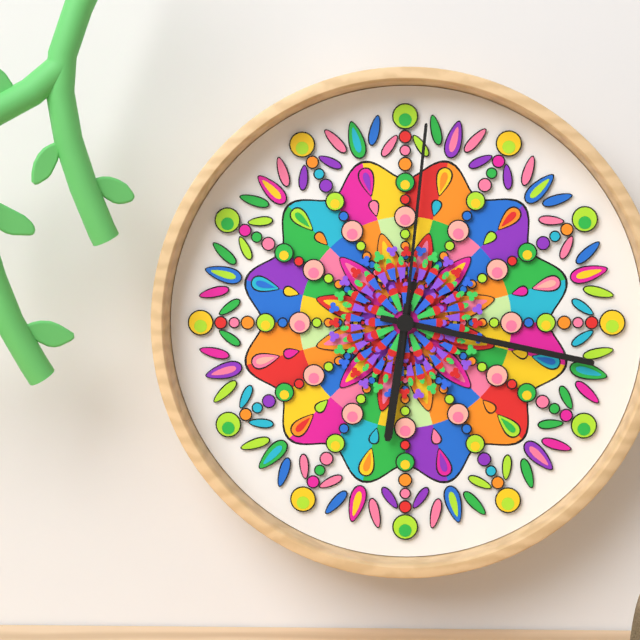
6 h 17 min 01 s
